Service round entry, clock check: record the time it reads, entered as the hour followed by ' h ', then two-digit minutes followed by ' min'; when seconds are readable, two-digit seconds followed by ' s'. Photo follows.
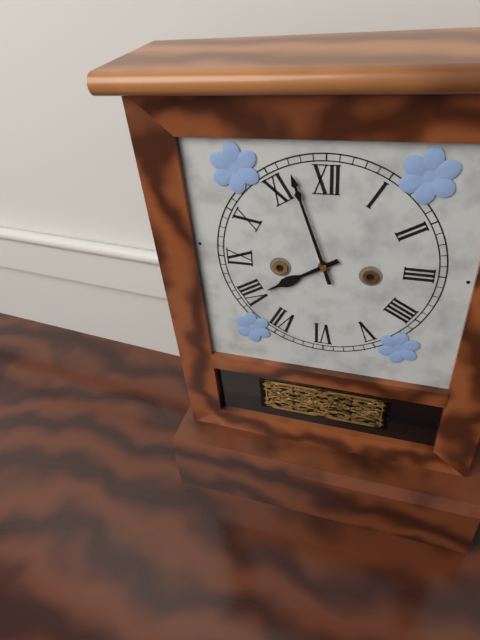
7 h 57 min
